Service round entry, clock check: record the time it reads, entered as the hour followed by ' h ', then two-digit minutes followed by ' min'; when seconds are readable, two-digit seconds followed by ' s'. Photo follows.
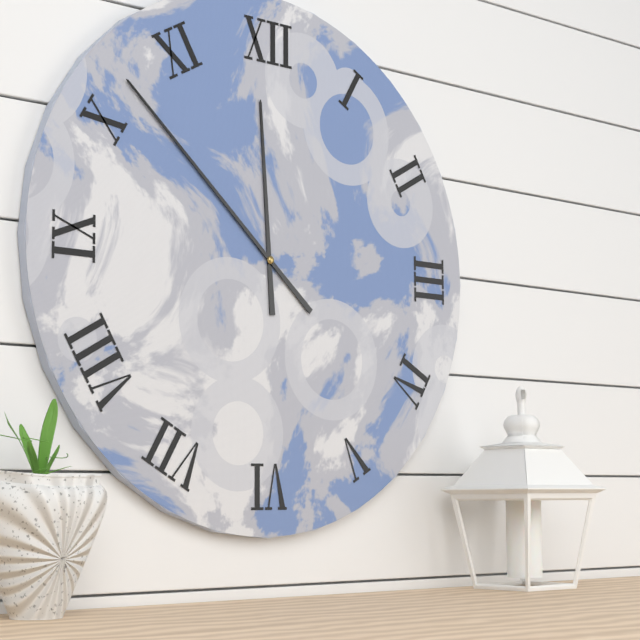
11 h 52 min
